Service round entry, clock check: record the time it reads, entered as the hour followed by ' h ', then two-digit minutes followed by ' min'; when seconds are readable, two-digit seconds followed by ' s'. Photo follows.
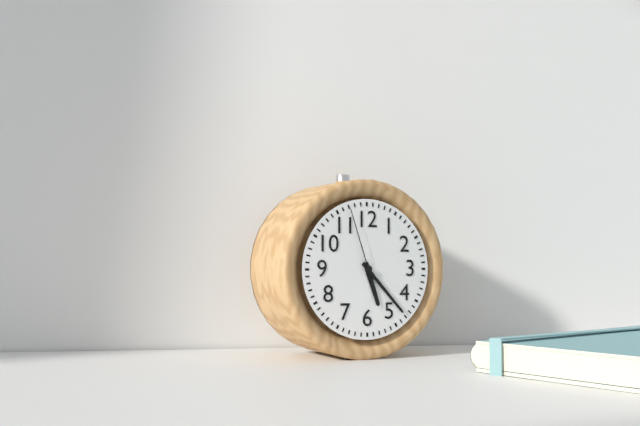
5 h 23 min 57 s
